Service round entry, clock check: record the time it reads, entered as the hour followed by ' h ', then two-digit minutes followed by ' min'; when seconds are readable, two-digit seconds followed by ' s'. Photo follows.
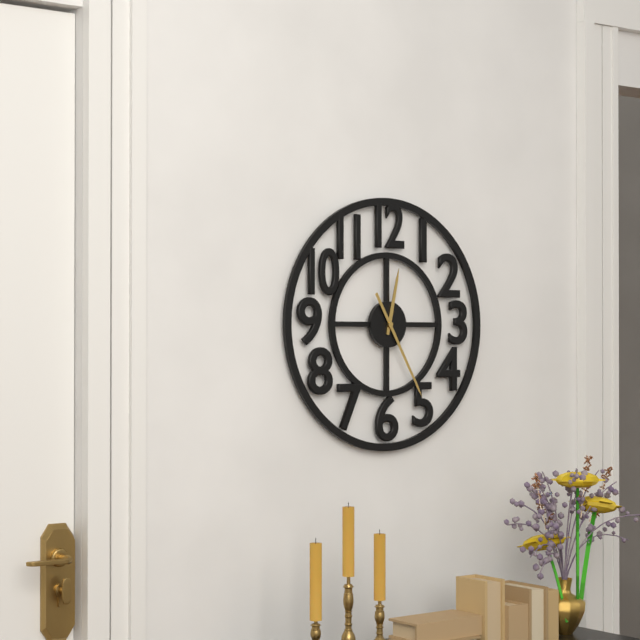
12 h 25 min
